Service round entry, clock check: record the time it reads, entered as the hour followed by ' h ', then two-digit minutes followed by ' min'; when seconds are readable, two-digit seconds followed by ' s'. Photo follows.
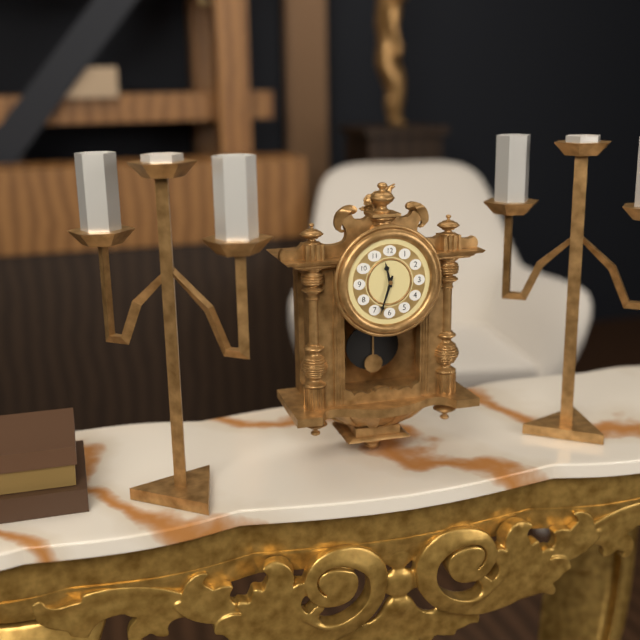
11 h 33 min
